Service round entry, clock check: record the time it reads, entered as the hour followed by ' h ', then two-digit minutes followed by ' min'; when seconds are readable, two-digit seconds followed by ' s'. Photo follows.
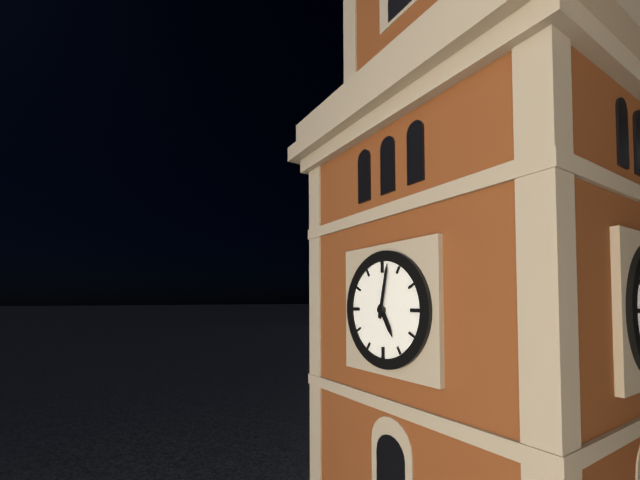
5 h 02 min
